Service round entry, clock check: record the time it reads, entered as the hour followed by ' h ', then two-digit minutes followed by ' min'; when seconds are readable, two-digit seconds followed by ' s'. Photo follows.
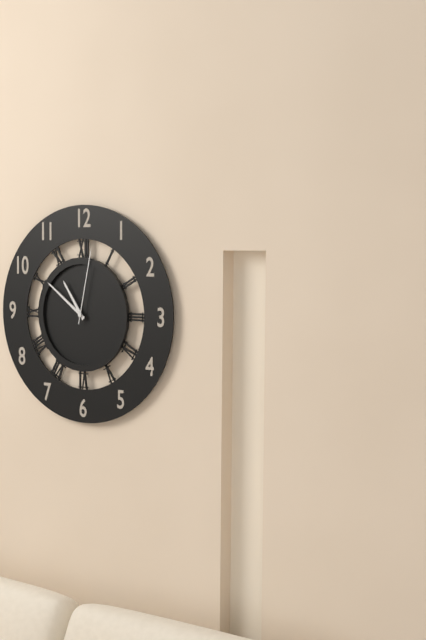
10 h 51 min 02 s
